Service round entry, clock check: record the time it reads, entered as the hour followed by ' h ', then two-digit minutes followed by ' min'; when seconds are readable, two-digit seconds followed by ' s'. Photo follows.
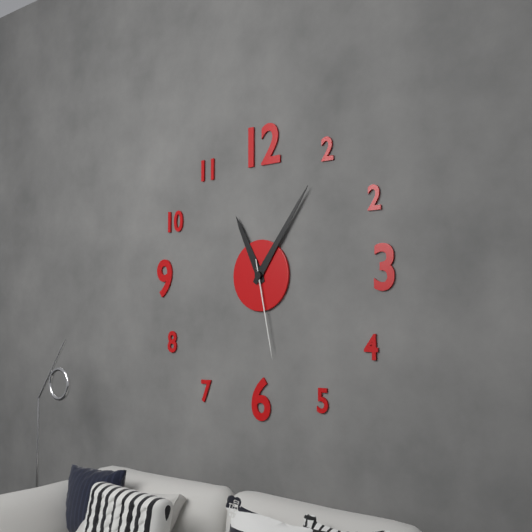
11 h 06 min 28 s
